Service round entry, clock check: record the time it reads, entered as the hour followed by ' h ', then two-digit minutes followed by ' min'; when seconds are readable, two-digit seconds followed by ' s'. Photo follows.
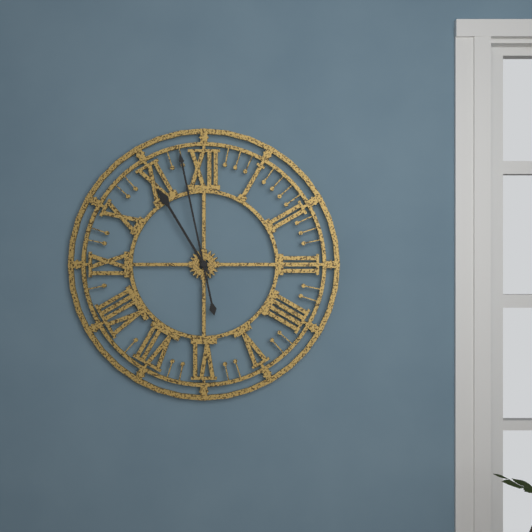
10 h 58 min
